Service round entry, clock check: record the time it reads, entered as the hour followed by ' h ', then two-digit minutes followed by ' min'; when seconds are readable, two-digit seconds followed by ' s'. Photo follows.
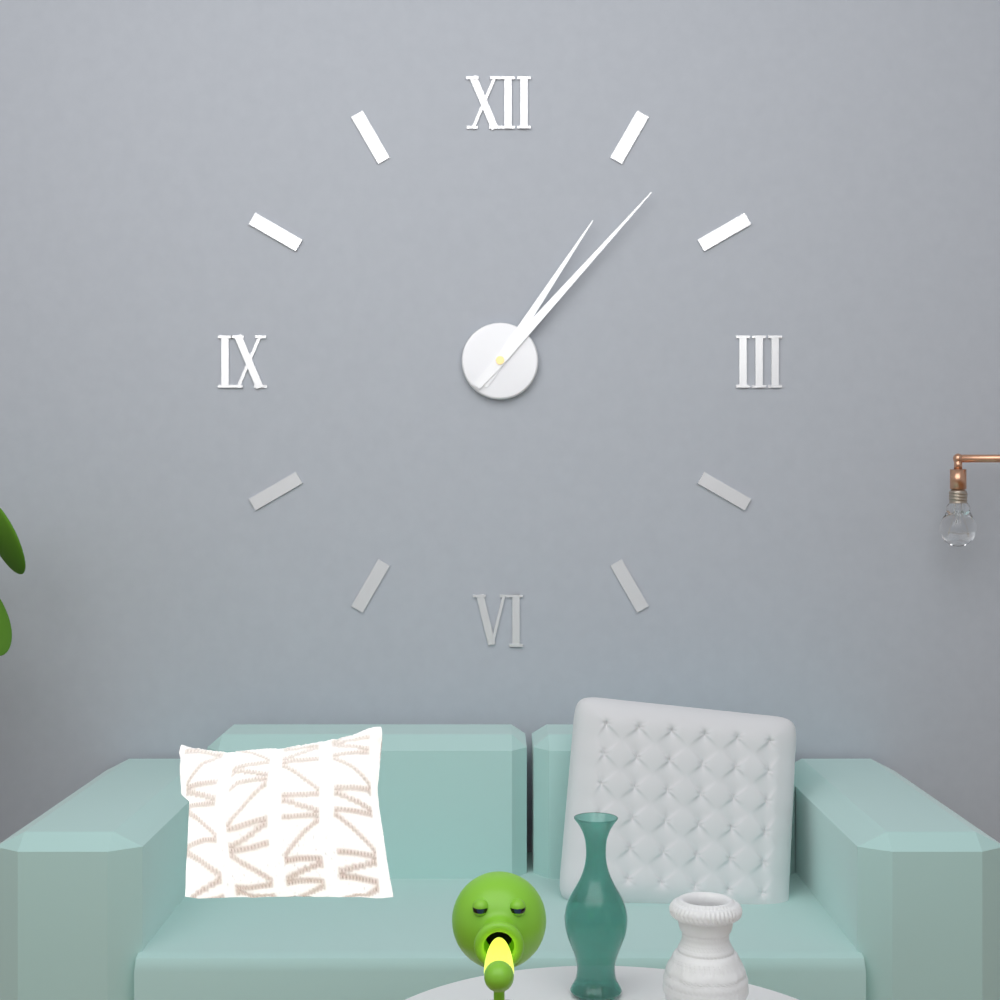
1 h 07 min
